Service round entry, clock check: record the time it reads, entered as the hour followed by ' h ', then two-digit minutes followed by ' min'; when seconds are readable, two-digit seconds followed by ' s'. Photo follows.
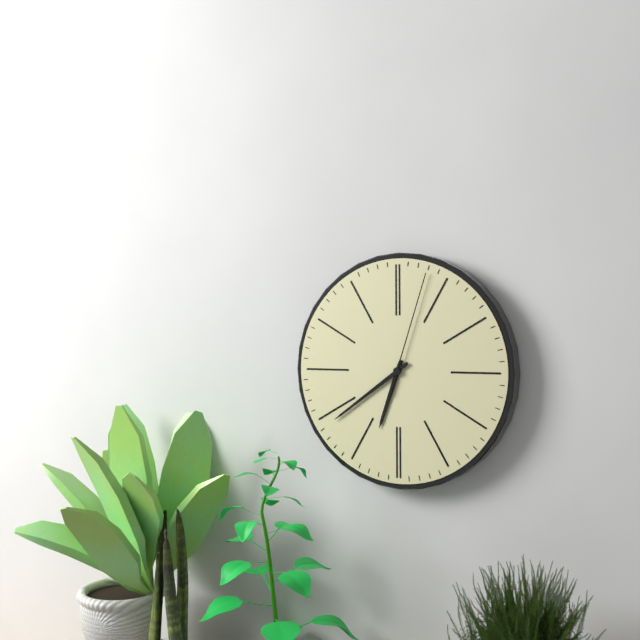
6 h 39 min 03 s
